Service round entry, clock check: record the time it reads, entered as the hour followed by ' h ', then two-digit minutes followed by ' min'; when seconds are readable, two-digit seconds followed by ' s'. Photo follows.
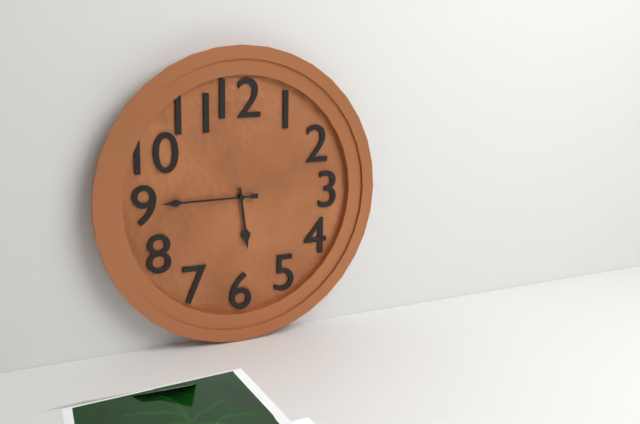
5 h 45 min
